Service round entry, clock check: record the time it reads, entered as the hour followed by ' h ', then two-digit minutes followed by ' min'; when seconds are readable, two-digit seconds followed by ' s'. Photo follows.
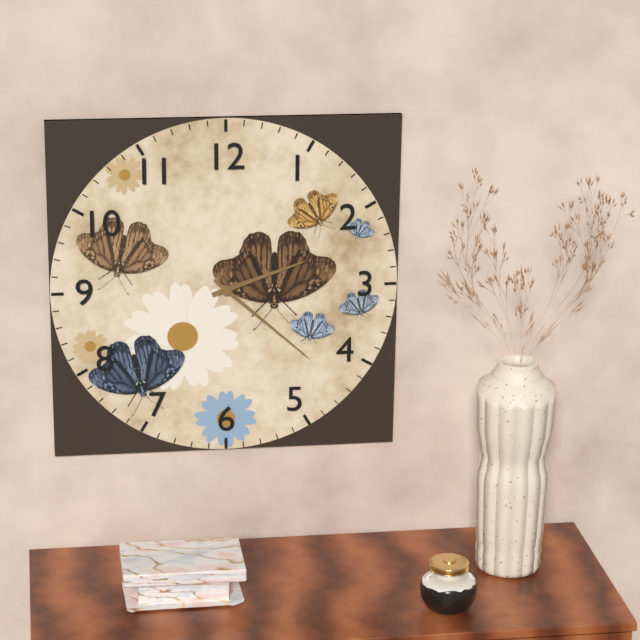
2 h 22 min
